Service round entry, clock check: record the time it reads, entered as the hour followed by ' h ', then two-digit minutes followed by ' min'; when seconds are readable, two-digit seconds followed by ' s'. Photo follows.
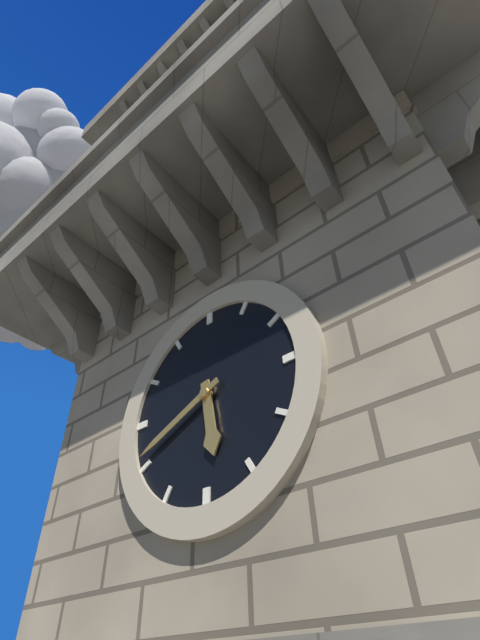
5 h 41 min
